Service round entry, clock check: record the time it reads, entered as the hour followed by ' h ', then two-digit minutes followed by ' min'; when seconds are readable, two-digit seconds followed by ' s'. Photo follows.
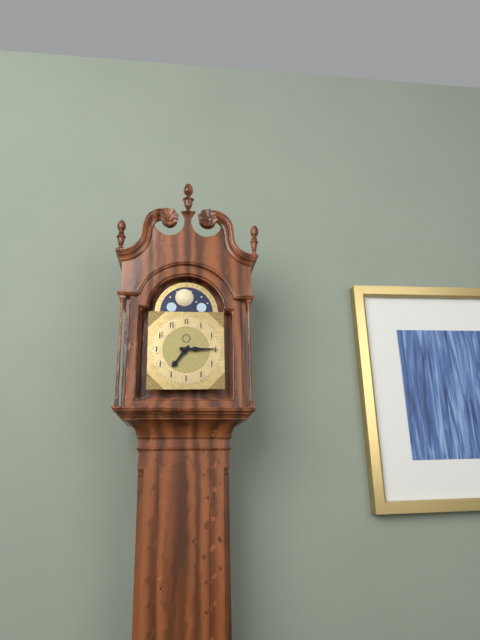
7 h 15 min
